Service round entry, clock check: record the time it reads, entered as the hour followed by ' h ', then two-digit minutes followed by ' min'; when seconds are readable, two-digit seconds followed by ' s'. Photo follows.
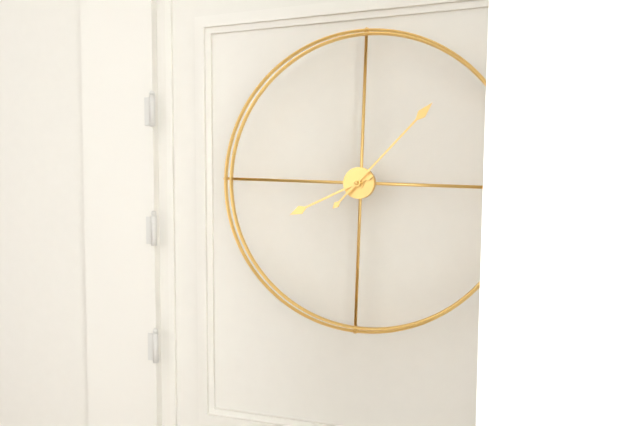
8 h 07 min
